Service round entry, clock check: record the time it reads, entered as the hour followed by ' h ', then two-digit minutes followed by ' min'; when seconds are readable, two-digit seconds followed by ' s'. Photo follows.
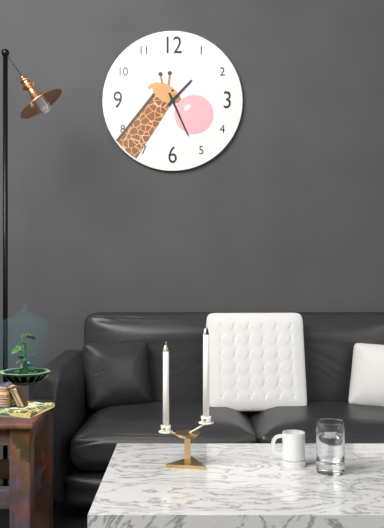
1 h 26 min
